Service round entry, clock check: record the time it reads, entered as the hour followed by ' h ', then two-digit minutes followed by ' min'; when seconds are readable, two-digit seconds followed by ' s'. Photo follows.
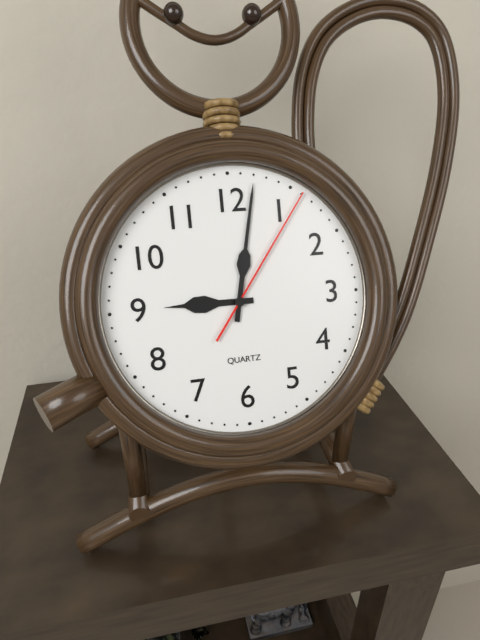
9 h 02 min 06 s
